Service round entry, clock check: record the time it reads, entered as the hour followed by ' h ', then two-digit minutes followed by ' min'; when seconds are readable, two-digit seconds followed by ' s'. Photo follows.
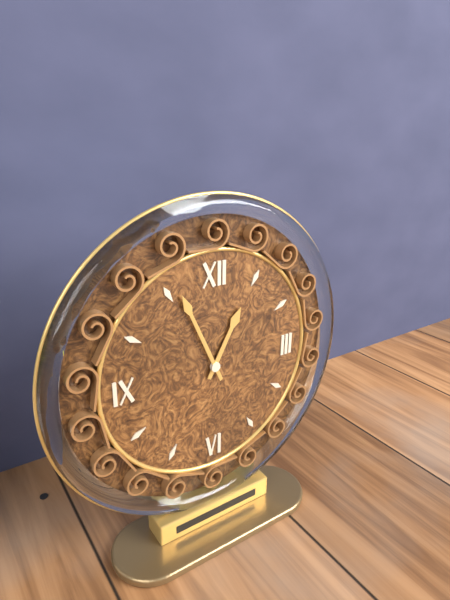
12 h 56 min
